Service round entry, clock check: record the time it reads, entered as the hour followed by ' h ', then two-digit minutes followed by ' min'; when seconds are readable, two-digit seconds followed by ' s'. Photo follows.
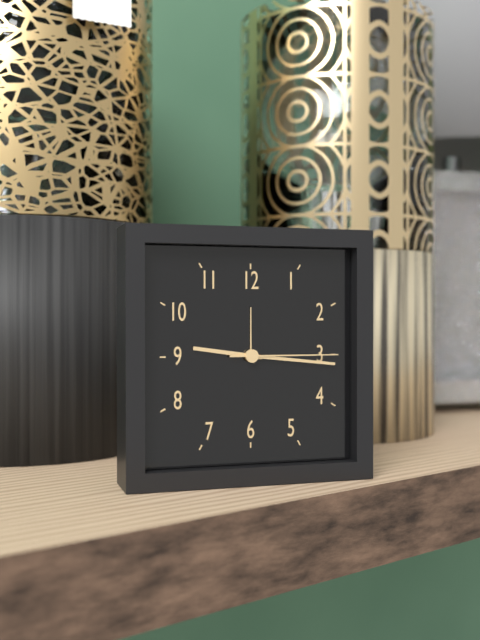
9 h 16 min 15 s
